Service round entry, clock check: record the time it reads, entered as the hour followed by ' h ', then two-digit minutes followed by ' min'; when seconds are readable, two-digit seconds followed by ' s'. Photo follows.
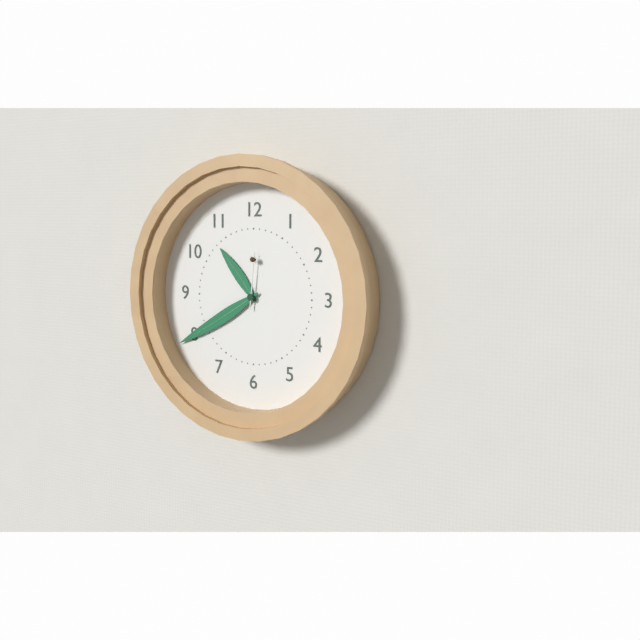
10 h 40 min 01 s
